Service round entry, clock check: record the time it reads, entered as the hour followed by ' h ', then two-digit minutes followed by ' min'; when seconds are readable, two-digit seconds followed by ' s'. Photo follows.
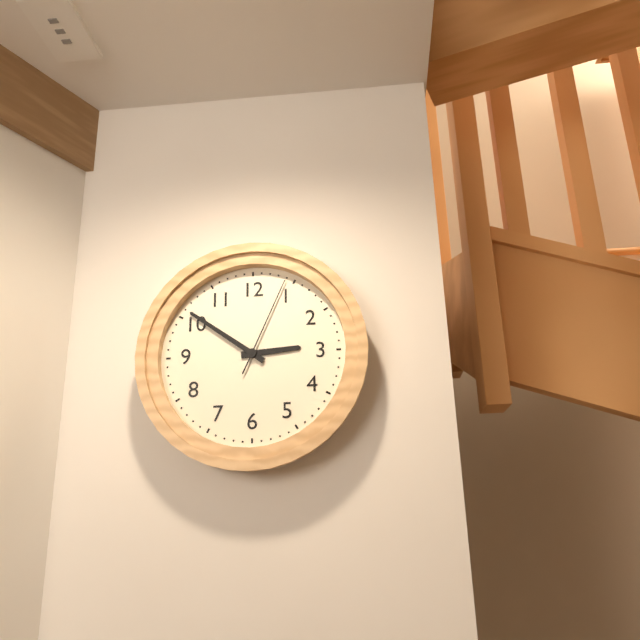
2 h 51 min 04 s
